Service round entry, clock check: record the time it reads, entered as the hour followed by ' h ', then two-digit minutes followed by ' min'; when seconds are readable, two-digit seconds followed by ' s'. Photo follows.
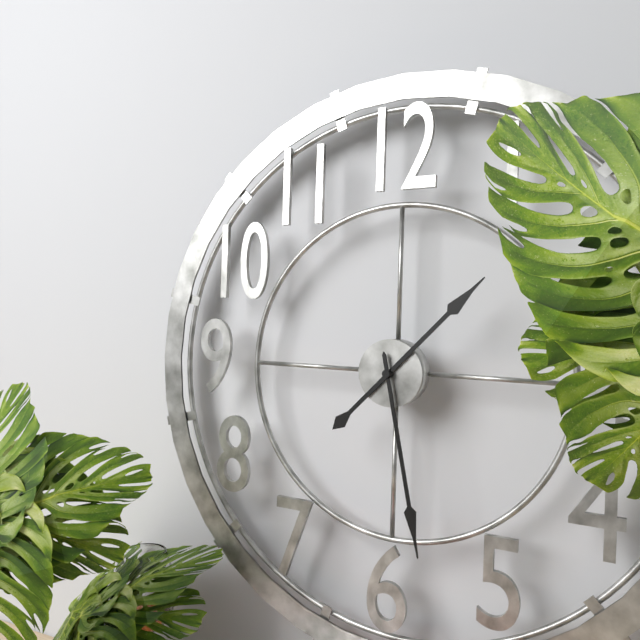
1 h 28 min
